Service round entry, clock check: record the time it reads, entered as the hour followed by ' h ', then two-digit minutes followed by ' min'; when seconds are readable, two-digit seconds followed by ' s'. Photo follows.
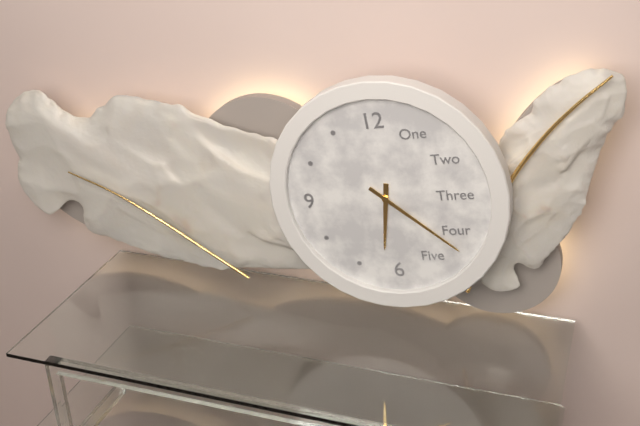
6 h 22 min
